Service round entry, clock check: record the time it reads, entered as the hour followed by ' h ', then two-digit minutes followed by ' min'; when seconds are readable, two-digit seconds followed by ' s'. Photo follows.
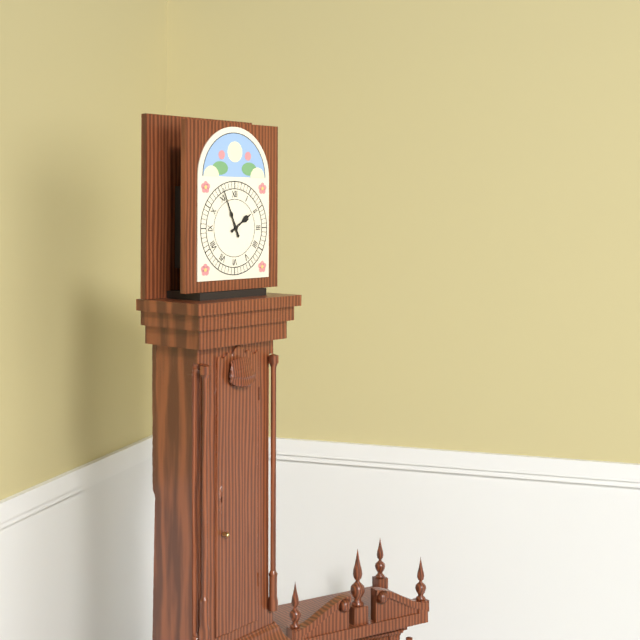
1 h 56 min
